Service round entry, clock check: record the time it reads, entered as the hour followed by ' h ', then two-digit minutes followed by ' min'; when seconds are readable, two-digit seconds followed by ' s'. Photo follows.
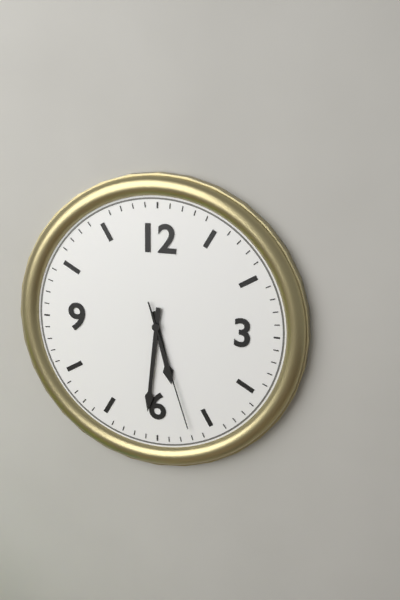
5 h 31 min 27 s
